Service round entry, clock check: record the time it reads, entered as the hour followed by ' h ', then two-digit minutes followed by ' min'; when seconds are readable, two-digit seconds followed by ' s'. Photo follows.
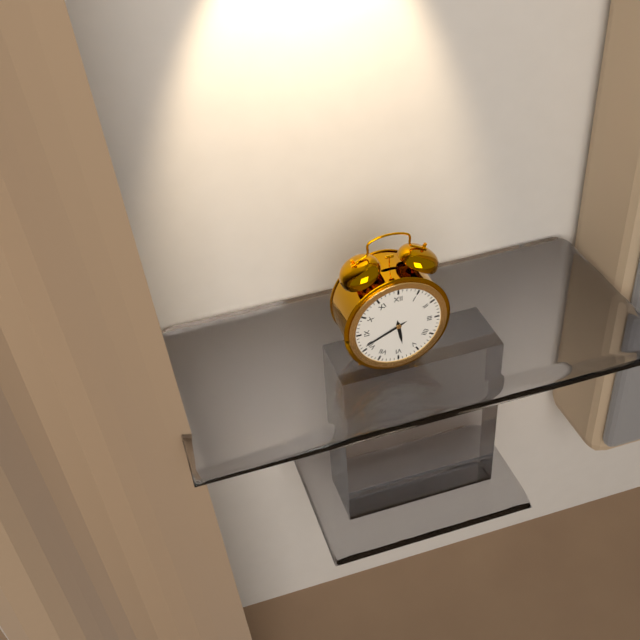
5 h 41 min
